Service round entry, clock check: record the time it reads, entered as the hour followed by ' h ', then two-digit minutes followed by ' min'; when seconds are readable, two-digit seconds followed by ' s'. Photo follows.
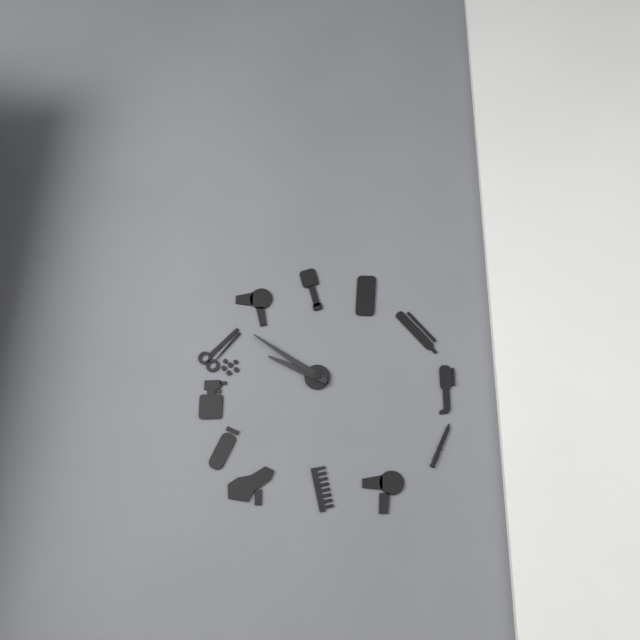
9 h 51 min
